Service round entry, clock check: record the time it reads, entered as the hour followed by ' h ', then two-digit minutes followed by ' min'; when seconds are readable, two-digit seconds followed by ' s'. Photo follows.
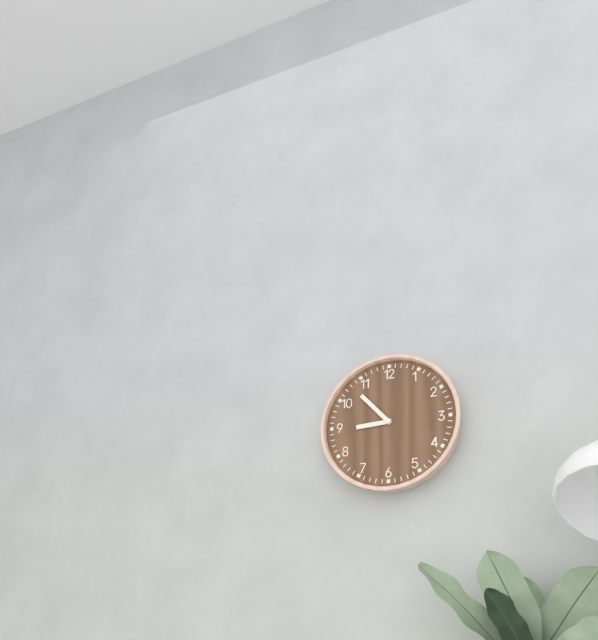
8 h 53 min
